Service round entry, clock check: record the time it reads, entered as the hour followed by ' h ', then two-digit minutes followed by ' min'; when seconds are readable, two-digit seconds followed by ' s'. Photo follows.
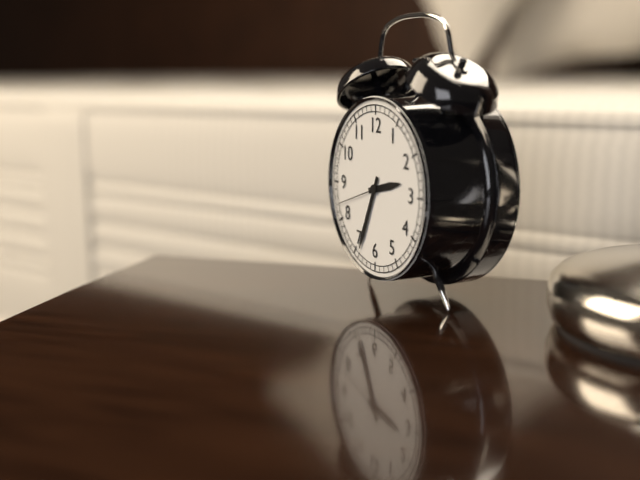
2 h 34 min
